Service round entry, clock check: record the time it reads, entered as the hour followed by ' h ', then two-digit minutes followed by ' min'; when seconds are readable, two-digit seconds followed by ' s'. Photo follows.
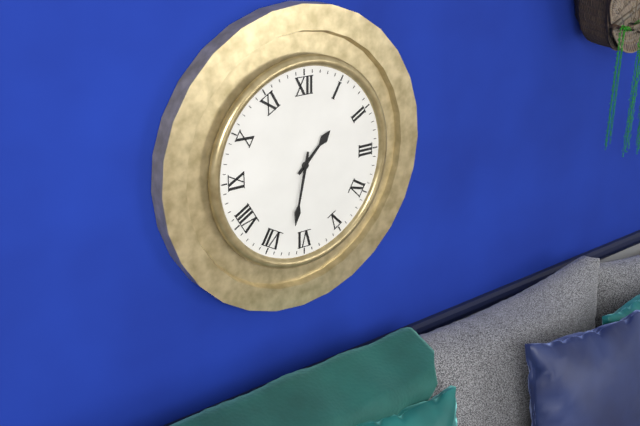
1 h 32 min
